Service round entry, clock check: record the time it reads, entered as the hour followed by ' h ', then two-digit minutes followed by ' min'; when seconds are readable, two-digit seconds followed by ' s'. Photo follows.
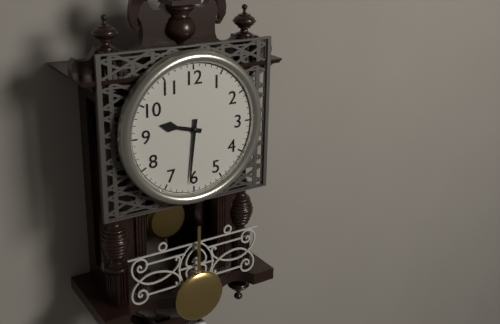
9 h 31 min
